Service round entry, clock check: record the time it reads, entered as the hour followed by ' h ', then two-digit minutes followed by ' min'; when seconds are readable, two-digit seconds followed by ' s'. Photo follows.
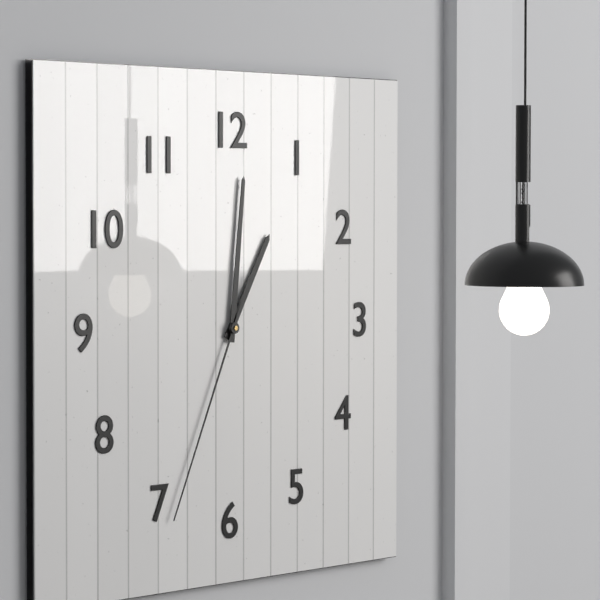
1 h 01 min 34 s
